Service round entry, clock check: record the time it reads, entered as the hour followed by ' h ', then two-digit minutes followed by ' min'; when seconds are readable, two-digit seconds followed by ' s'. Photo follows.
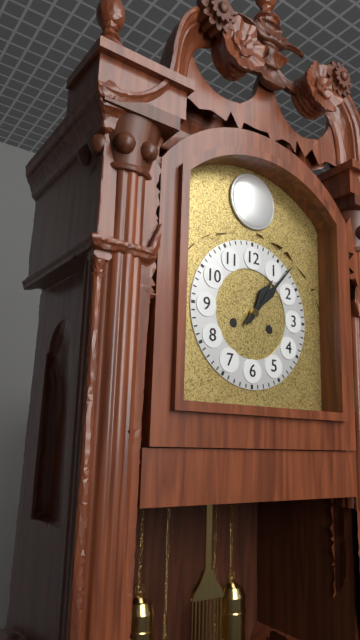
1 h 07 min
